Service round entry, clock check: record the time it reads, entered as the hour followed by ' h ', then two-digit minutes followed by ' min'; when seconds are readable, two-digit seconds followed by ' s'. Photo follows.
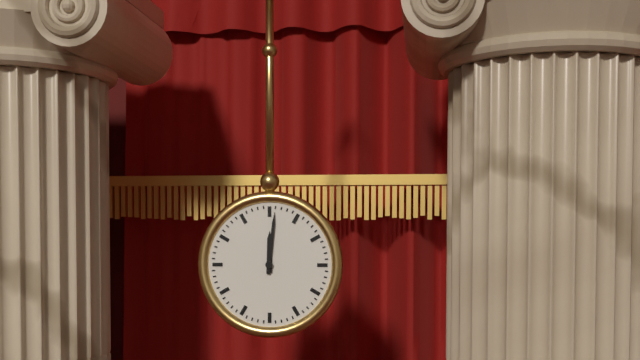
12 h 01 min
